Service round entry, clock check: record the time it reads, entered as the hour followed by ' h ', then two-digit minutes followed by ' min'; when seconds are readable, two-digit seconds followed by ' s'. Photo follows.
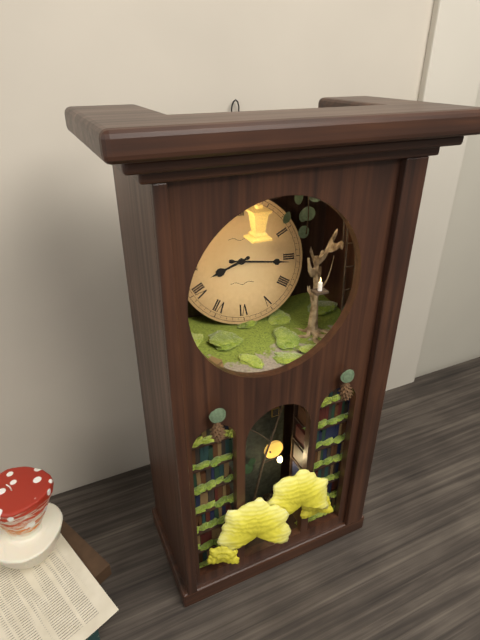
8 h 16 min
